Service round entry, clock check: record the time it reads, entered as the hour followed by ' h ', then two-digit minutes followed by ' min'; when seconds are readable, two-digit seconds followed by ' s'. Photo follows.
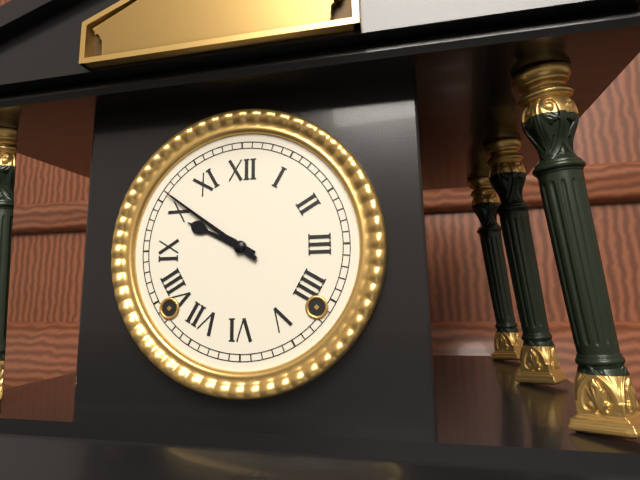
9 h 51 min
